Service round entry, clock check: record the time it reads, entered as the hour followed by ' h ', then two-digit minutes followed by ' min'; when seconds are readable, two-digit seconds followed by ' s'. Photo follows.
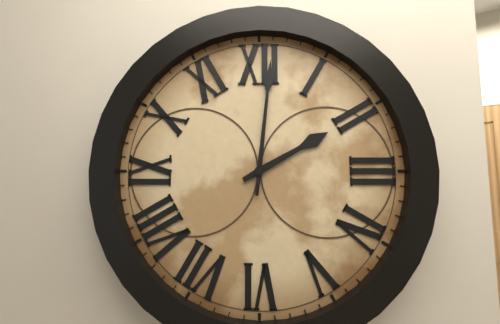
2 h 01 min
